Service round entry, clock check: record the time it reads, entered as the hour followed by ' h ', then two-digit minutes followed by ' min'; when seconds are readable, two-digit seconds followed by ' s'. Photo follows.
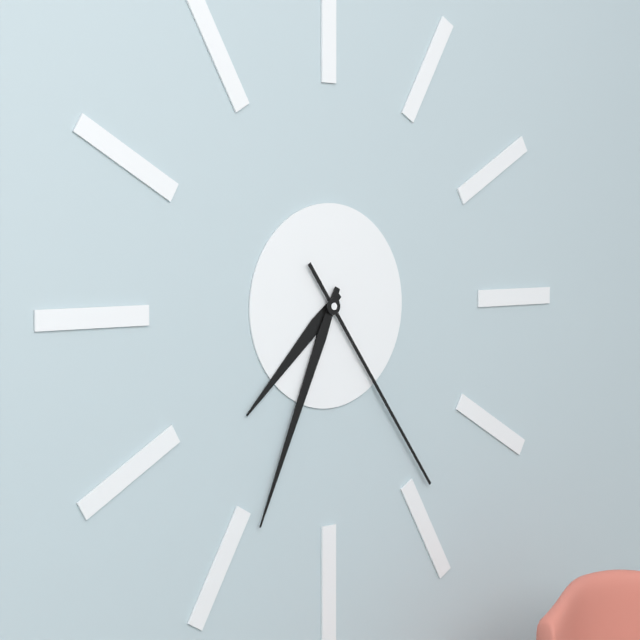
7 h 34 min 24 s
